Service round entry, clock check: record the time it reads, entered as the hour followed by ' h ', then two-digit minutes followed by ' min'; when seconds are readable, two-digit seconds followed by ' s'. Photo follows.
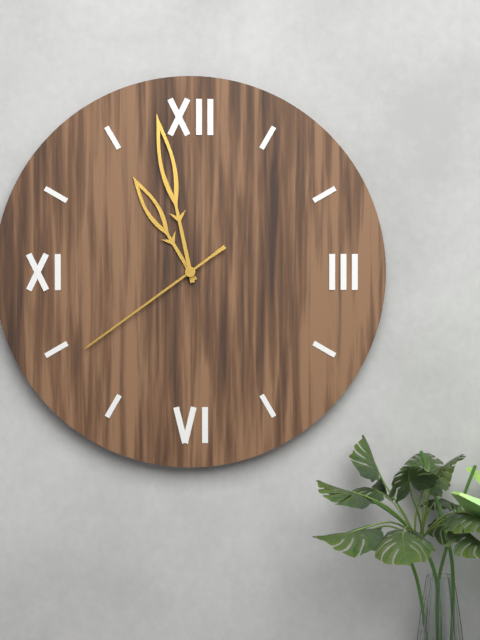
10 h 58 min 39 s
